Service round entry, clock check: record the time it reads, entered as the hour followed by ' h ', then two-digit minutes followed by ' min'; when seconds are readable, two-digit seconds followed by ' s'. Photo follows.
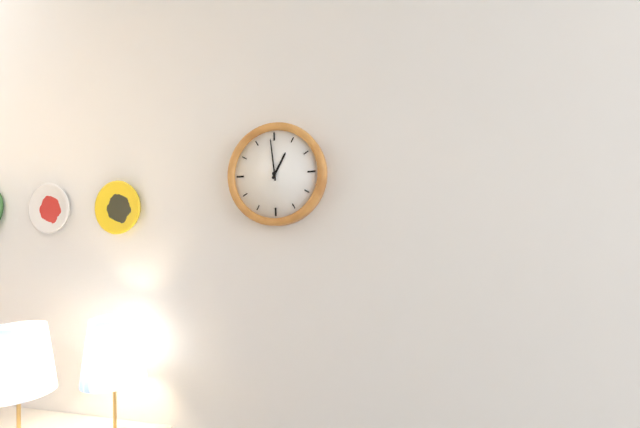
12 h 59 min
